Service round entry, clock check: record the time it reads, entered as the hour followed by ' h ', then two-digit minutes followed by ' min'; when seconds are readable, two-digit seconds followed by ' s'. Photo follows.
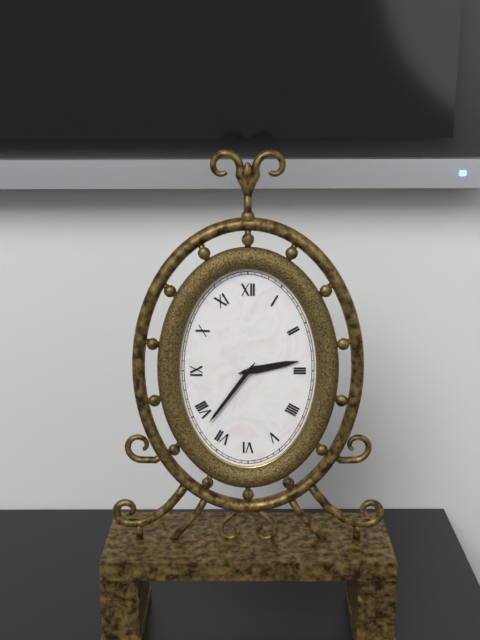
2 h 36 min
